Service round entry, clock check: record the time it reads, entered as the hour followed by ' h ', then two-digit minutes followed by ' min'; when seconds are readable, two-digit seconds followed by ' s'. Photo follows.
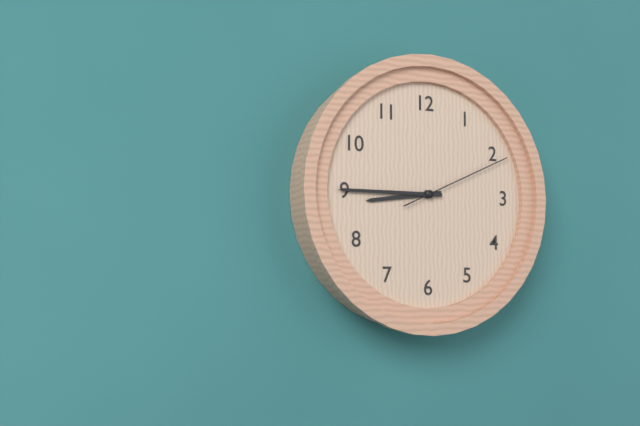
8 h 45 min 11 s
